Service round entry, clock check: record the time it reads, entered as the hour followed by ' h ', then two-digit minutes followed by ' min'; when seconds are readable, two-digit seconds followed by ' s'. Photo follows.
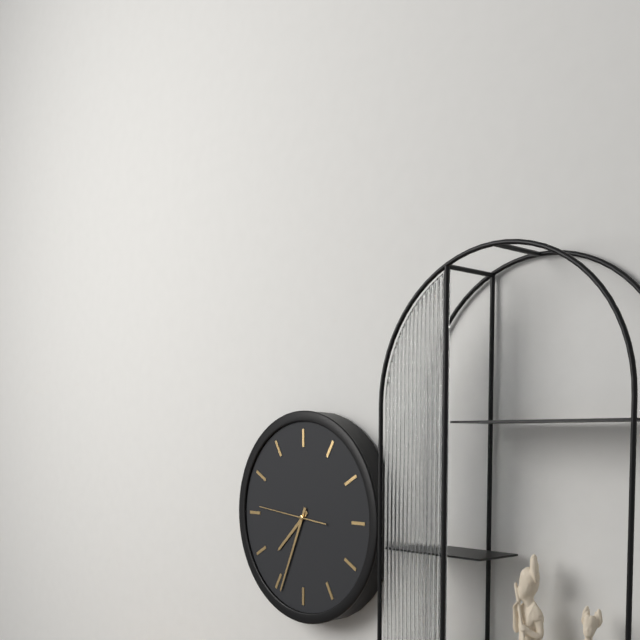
7 h 34 min 46 s
